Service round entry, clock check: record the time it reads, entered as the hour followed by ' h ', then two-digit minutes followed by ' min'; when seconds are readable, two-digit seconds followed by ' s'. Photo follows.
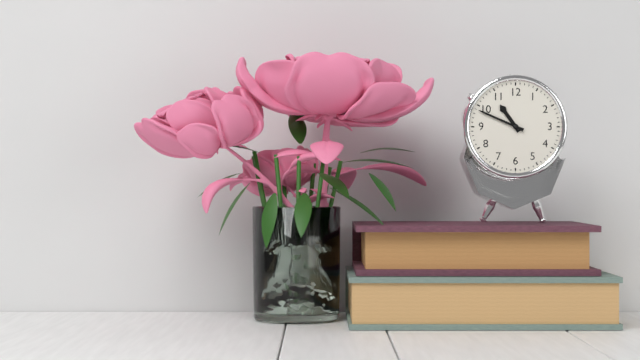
10 h 49 min
